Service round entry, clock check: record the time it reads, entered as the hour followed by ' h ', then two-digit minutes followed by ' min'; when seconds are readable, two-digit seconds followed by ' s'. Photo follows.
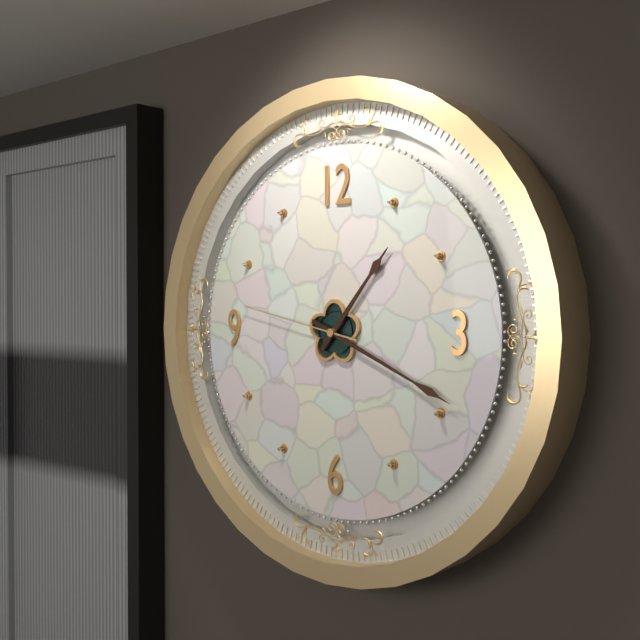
1 h 19 min 47 s
